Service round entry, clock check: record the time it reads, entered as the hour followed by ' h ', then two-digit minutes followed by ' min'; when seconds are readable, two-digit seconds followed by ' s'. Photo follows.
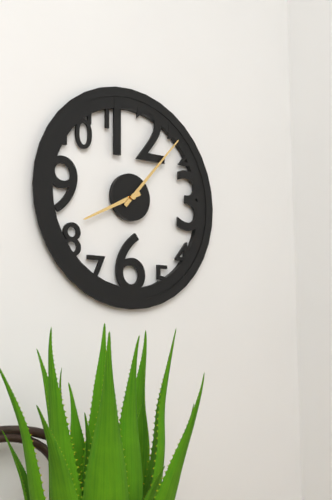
8 h 07 min
